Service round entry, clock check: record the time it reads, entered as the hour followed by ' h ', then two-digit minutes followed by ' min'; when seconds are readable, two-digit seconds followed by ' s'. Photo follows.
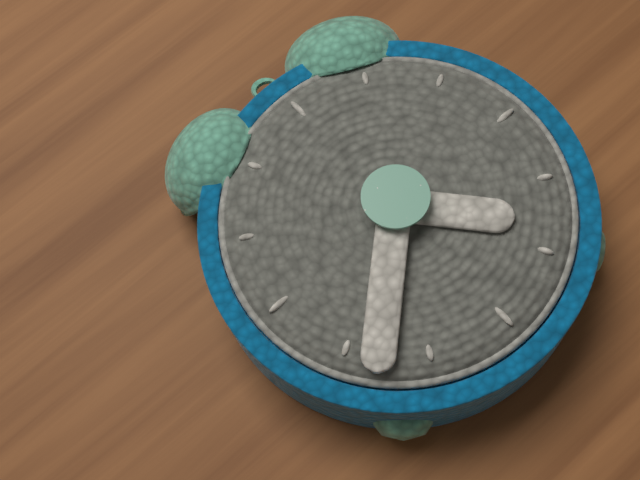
4 h 38 min
